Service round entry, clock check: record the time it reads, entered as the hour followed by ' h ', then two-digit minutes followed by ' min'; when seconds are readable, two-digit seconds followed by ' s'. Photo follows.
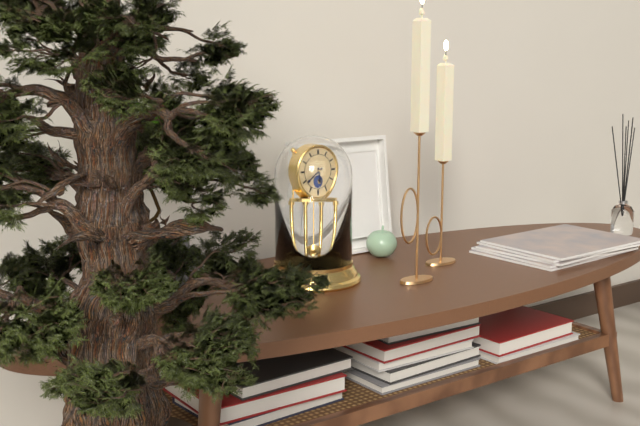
5 h 39 min
